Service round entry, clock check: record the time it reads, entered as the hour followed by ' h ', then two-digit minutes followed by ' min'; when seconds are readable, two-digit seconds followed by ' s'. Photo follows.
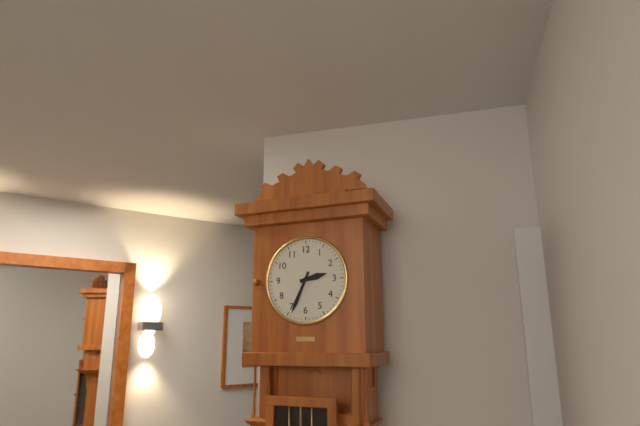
2 h 34 min
